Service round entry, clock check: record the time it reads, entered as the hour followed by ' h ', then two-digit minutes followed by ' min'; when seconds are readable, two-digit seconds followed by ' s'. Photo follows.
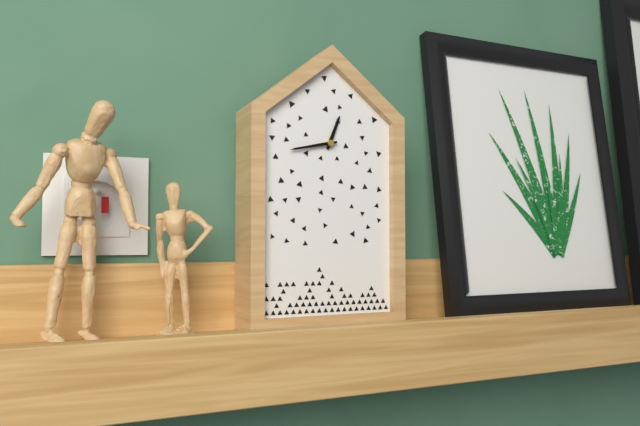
12 h 43 min
